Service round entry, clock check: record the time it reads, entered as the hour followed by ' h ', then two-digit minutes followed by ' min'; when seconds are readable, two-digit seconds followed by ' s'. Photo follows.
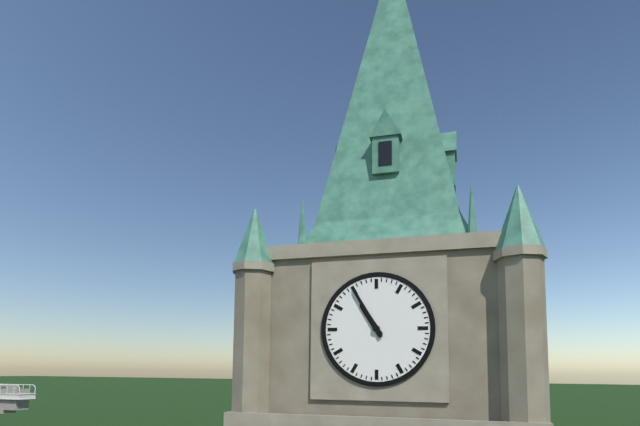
10 h 55 min
